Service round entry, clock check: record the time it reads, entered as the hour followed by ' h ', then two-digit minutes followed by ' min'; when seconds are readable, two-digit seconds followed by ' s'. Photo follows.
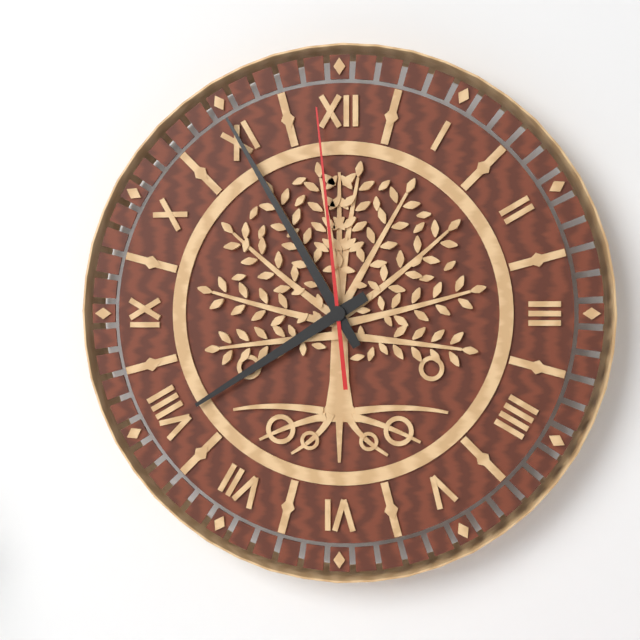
7 h 55 min 59 s
